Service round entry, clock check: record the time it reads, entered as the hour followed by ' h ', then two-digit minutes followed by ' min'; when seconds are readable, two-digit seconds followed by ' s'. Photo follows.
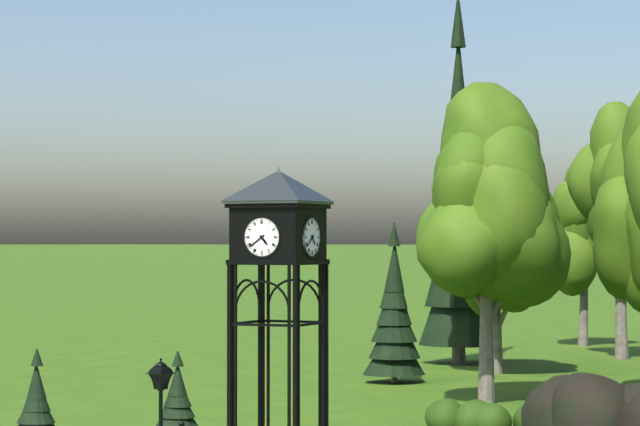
4 h 39 min
